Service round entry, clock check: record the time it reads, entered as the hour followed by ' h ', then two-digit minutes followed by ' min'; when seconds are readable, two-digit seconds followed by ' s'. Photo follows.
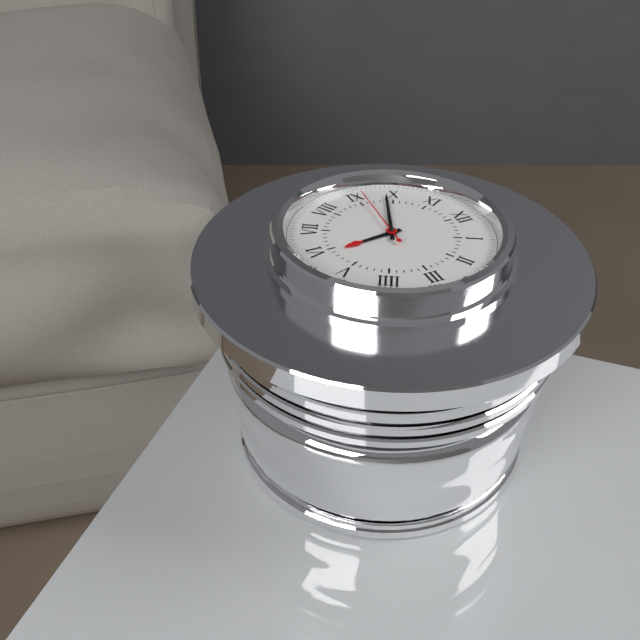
5 h 49 min 46 s
